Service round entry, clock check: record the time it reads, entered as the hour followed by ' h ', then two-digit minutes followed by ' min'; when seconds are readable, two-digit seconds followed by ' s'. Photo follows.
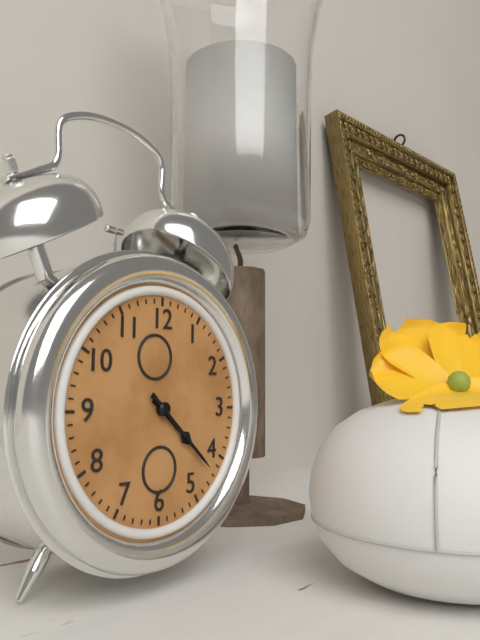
4 h 22 min
